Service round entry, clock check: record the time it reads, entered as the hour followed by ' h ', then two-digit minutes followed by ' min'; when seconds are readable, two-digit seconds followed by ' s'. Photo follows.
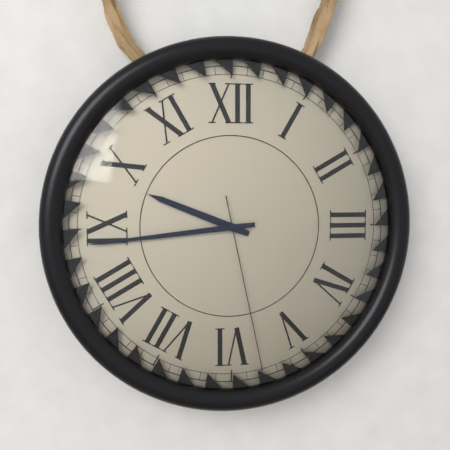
9 h 44 min 28 s
